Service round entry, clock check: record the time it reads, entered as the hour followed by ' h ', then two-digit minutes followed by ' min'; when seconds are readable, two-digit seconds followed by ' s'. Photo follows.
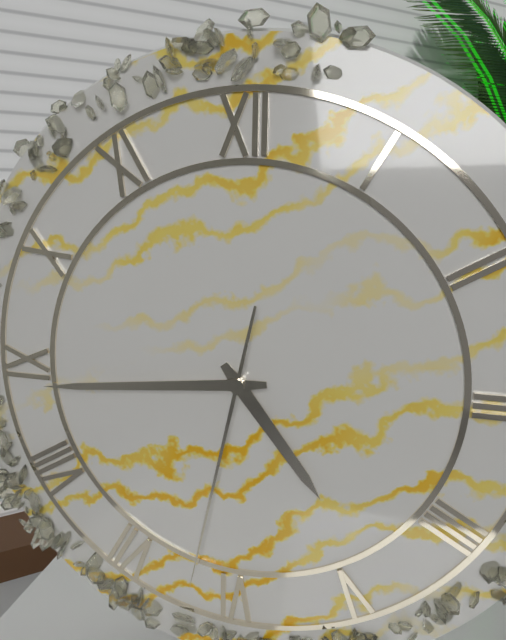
4 h 44 min 32 s
